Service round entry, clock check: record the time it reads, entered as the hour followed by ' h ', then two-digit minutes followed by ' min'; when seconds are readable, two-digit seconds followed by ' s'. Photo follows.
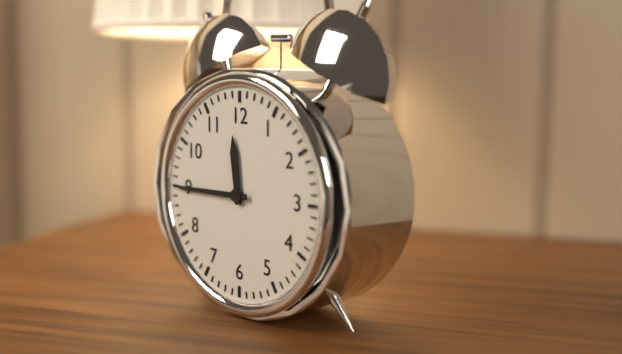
11 h 45 min
